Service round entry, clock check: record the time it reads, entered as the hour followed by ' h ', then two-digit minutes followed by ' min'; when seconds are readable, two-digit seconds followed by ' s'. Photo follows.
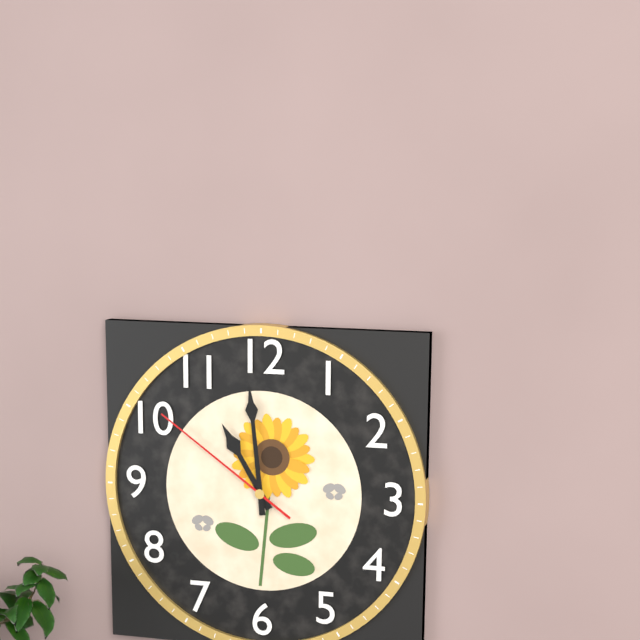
10 h 59 min 51 s
